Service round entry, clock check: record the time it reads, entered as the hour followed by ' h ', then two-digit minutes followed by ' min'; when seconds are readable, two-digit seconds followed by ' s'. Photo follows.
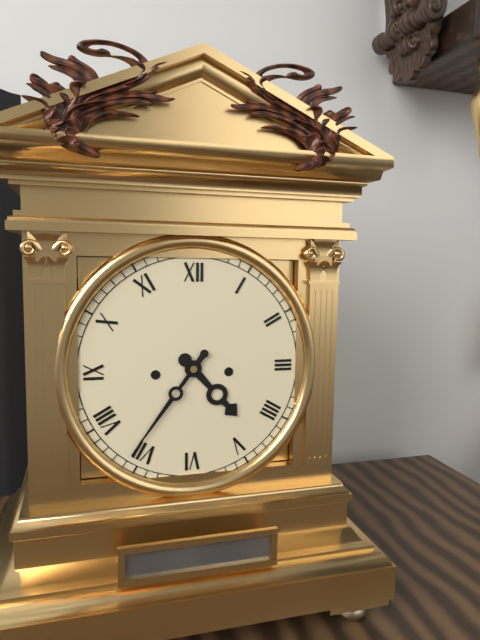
4 h 36 min
